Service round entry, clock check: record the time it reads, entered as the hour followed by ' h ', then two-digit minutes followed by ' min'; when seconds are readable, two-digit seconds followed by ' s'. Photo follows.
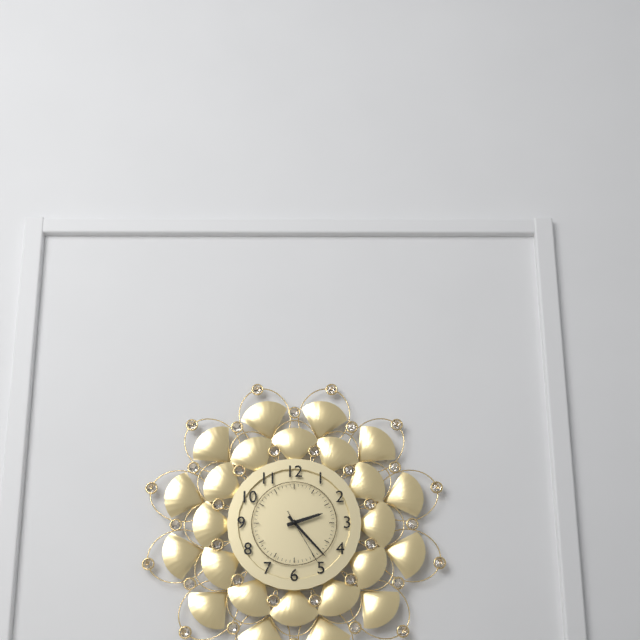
2 h 23 min 25 s
